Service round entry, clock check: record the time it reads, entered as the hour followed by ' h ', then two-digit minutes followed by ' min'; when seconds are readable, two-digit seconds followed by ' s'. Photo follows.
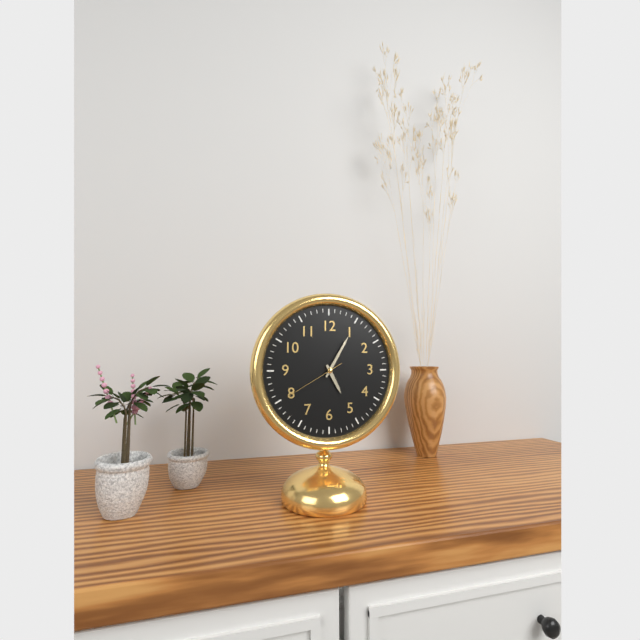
5 h 05 min 40 s
